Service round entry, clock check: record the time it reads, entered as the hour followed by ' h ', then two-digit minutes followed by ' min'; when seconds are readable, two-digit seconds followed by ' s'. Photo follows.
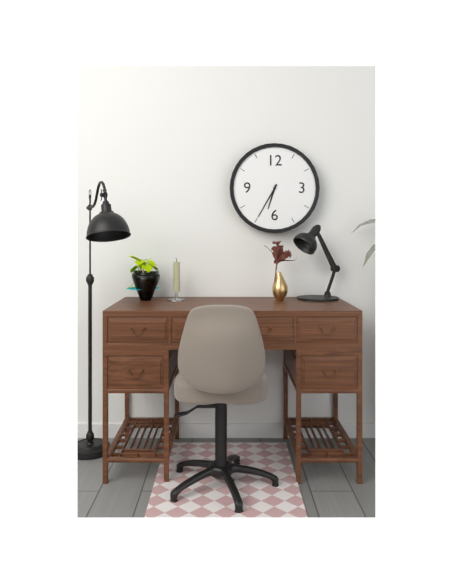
6 h 35 min
